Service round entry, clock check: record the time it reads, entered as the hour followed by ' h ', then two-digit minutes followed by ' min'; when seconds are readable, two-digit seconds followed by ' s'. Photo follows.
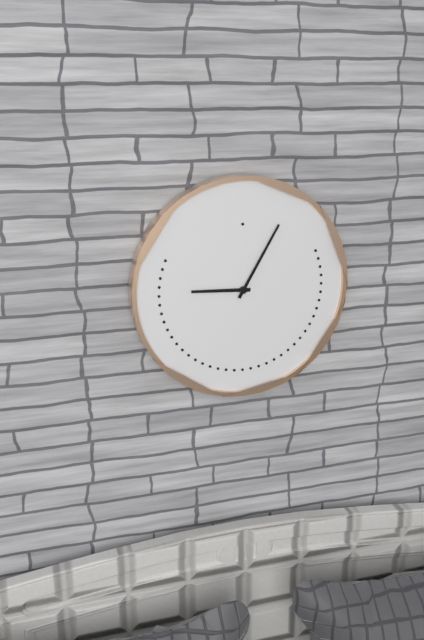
9 h 05 min
